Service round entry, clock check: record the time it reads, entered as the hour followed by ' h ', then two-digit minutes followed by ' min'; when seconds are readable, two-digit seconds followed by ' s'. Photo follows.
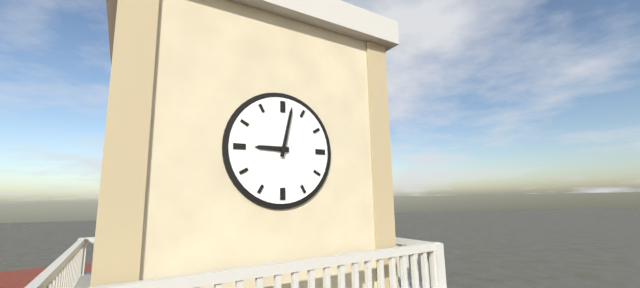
9 h 02 min
